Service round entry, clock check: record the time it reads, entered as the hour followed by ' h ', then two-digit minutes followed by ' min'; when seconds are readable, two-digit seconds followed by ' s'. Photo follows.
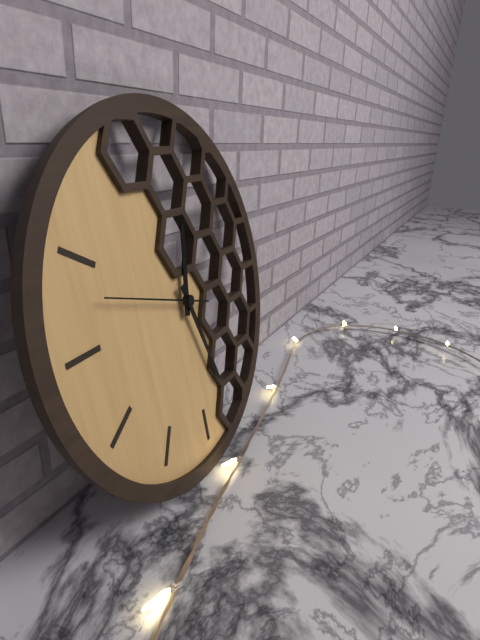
12 h 27 min 48 s
